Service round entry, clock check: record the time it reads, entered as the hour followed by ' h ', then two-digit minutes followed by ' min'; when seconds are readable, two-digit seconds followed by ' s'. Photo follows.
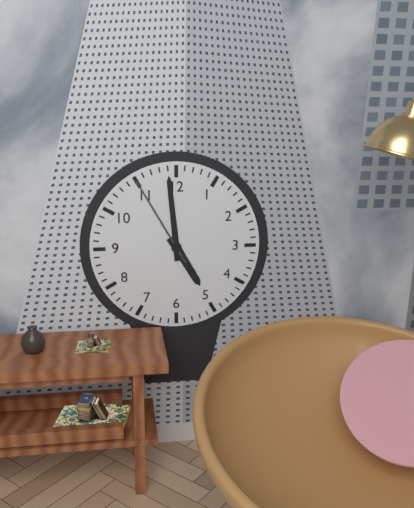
4 h 59 min 55 s
